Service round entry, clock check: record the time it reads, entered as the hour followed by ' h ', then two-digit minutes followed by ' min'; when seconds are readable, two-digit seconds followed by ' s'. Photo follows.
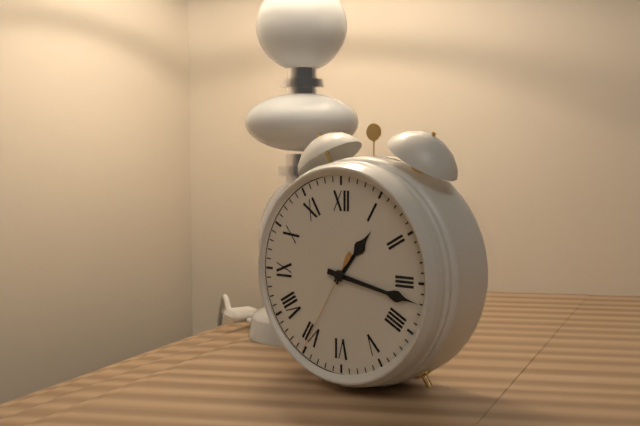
1 h 17 min 35 s
